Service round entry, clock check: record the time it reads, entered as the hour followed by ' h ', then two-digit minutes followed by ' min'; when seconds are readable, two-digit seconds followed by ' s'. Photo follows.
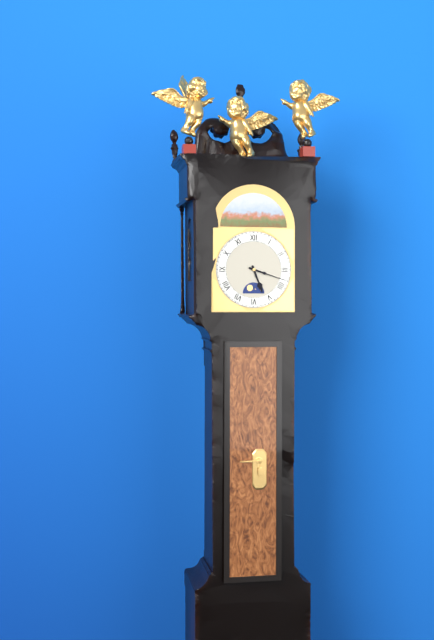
5 h 18 min
